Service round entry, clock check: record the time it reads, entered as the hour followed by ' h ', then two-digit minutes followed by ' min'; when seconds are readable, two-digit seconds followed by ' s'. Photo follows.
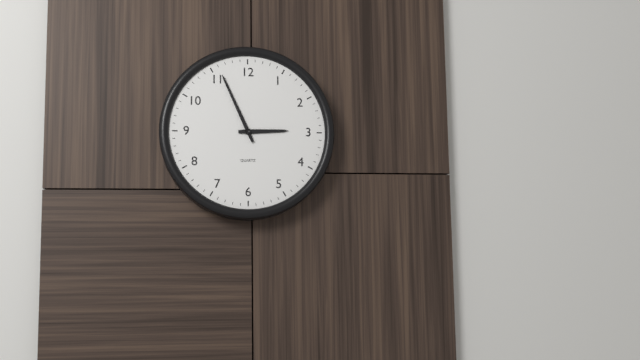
2 h 56 min
